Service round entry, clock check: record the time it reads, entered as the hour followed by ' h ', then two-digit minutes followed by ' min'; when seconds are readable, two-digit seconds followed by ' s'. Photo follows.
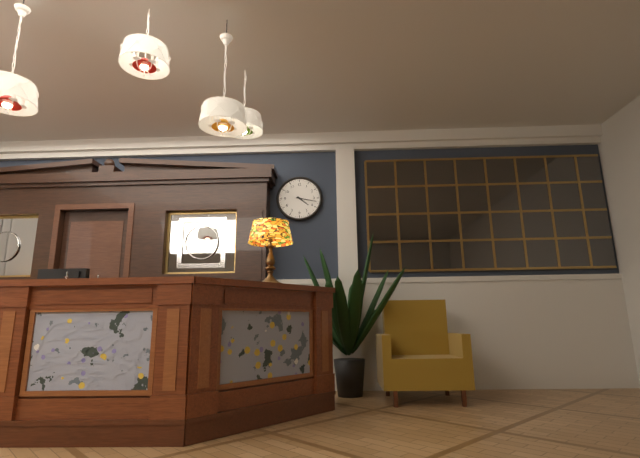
4 h 17 min
